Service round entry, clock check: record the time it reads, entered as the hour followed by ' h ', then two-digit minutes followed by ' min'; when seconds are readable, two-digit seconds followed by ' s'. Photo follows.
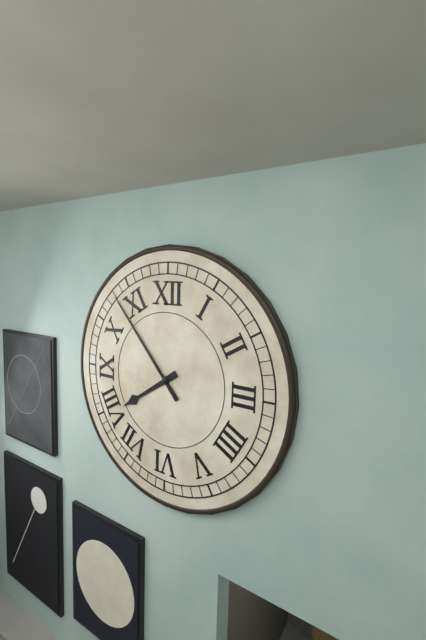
7 h 53 min
